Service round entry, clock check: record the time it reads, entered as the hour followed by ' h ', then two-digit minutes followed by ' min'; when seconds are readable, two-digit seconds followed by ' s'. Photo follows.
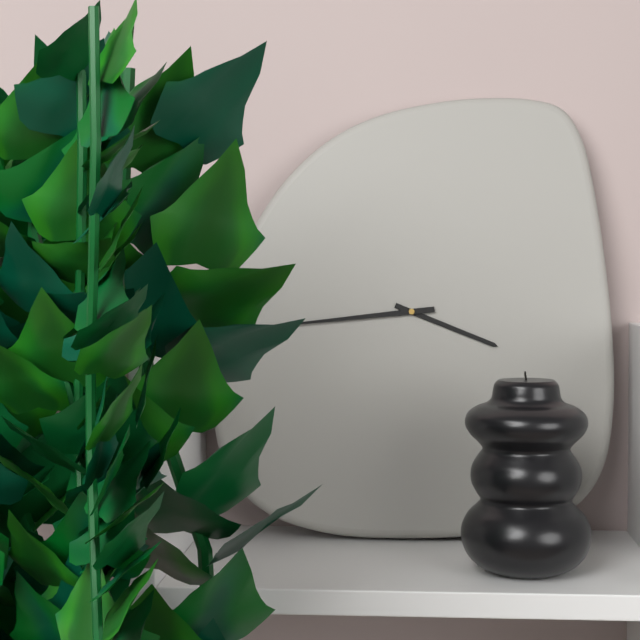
3 h 44 min
